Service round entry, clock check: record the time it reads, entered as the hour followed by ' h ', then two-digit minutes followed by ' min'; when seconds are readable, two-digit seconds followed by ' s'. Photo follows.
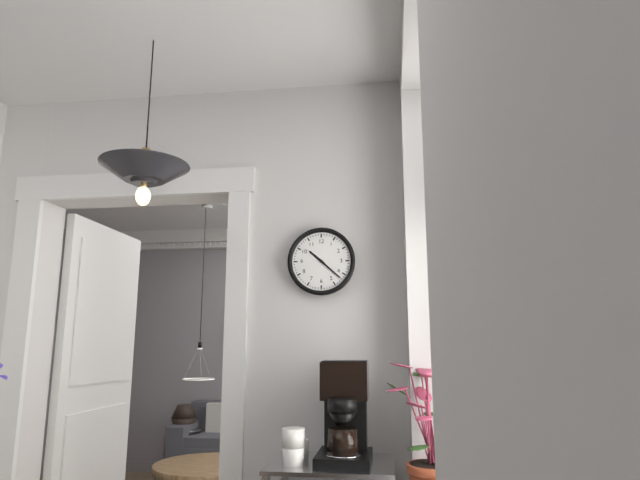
10 h 22 min
